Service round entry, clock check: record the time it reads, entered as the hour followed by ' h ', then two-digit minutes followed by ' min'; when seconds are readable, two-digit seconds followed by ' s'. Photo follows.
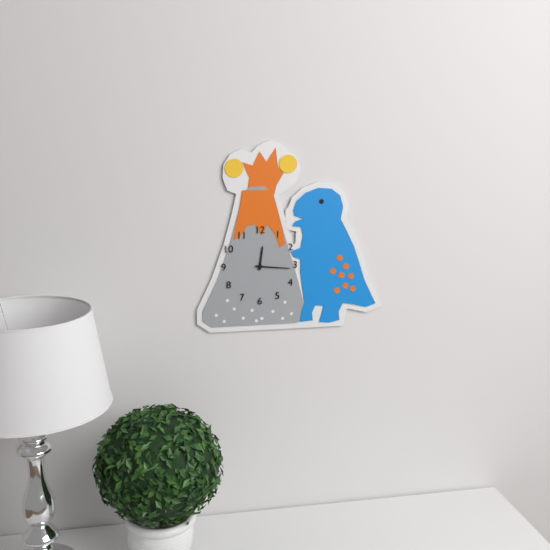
12 h 16 min
